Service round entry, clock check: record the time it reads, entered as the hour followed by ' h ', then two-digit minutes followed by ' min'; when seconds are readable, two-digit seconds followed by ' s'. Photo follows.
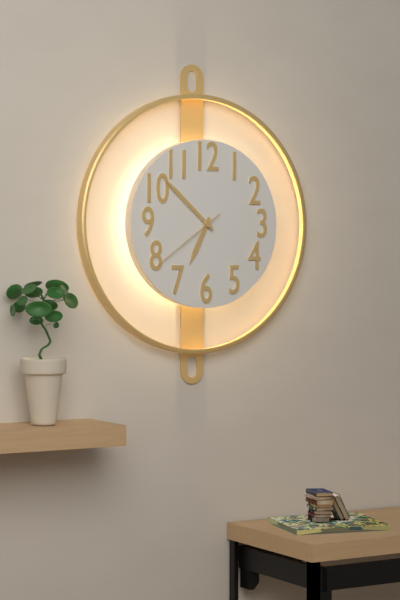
6 h 52 min 39 s
